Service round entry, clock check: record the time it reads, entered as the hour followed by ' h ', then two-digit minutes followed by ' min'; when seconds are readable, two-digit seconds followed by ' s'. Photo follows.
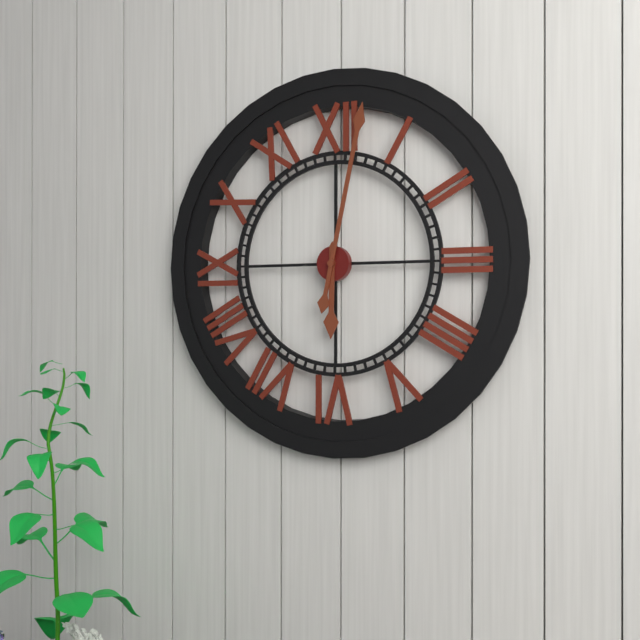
6 h 02 min
